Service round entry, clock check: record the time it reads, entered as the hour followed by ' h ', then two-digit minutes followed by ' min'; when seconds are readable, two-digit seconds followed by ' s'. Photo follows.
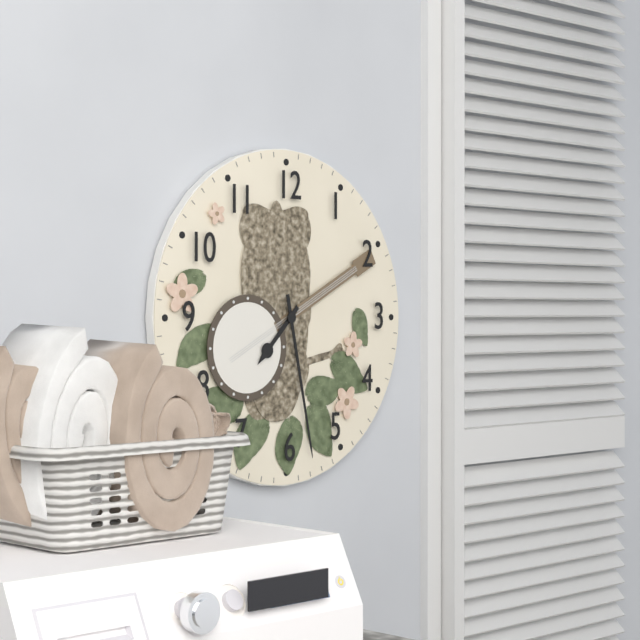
7 h 28 min
